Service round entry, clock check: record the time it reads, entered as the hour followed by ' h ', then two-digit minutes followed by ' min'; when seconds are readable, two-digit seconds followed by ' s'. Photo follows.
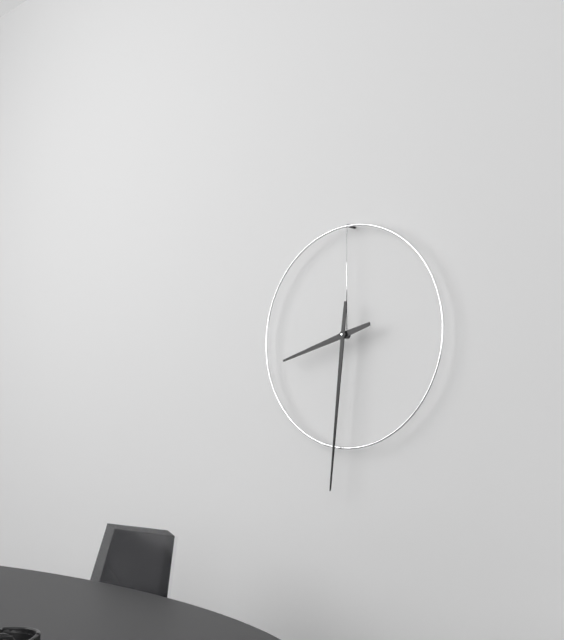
8 h 31 min
